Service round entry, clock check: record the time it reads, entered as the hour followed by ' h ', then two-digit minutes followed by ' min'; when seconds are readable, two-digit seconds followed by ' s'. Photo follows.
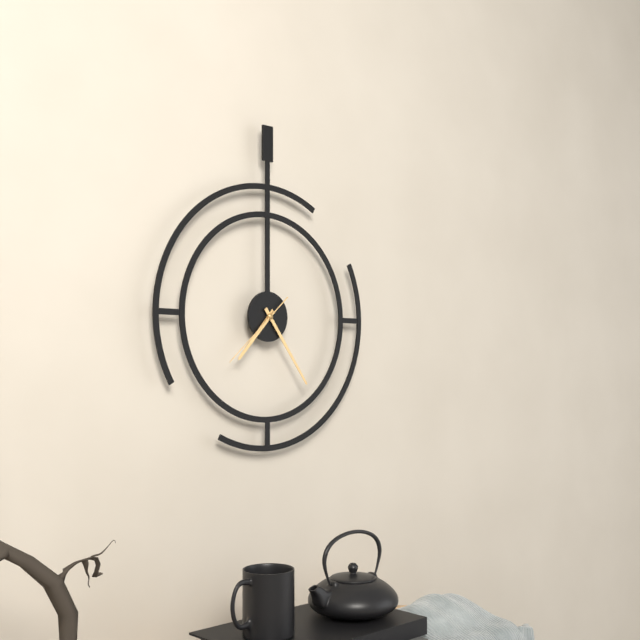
7 h 24 min 38 s
